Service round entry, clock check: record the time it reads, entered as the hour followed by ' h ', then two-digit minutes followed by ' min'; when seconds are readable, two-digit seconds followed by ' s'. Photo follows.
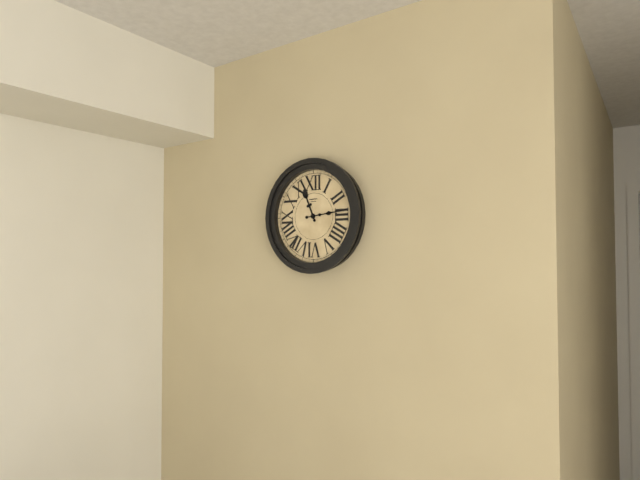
11 h 14 min
